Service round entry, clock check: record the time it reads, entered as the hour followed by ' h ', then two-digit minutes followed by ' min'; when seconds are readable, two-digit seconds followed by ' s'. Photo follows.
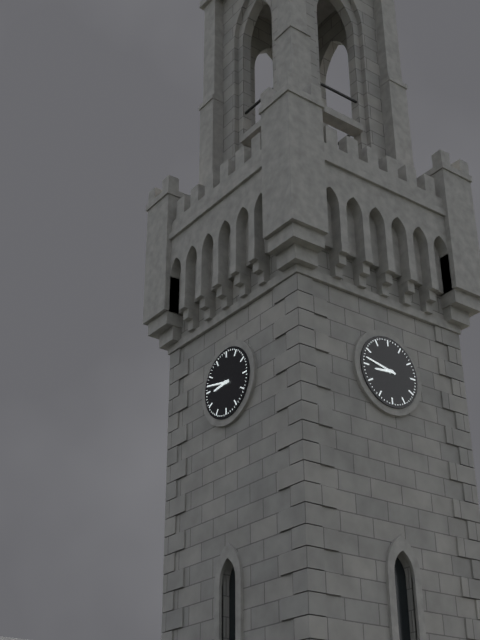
8 h 47 min
